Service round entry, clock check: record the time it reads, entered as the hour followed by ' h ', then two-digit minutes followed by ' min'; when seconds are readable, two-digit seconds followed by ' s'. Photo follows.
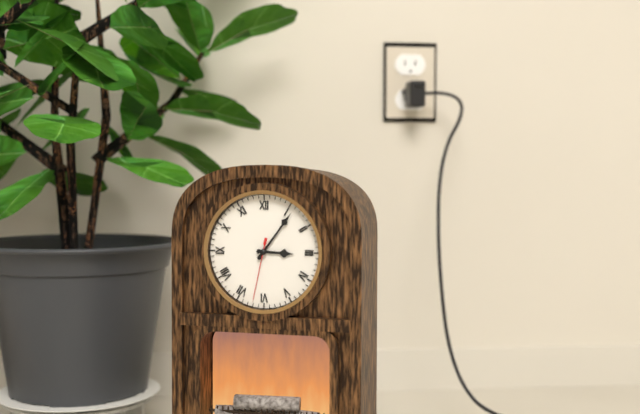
3 h 06 min 32 s
